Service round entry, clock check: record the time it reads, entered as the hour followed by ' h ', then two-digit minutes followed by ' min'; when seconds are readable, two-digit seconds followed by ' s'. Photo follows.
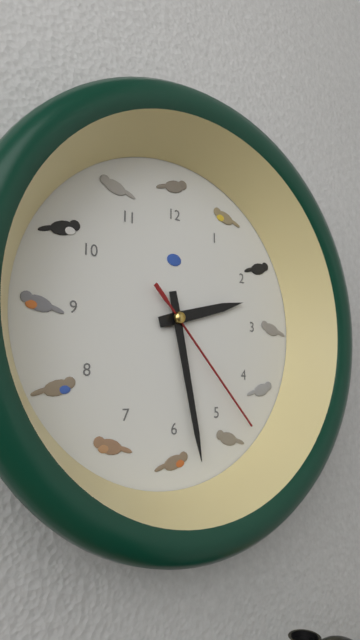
2 h 28 min 23 s
